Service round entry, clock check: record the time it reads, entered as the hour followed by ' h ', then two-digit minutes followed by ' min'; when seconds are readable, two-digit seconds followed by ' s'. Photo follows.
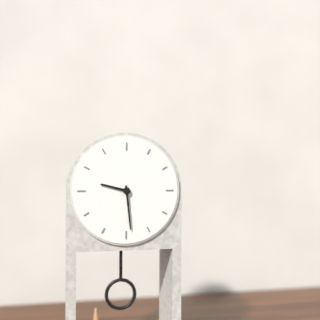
9 h 29 min
